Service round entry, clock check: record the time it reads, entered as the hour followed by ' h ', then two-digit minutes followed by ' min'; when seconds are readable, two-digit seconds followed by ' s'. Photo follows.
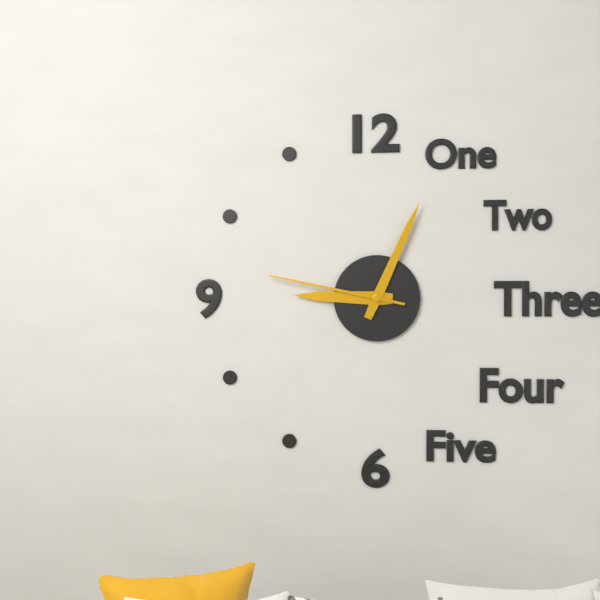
9 h 04 min 47 s
